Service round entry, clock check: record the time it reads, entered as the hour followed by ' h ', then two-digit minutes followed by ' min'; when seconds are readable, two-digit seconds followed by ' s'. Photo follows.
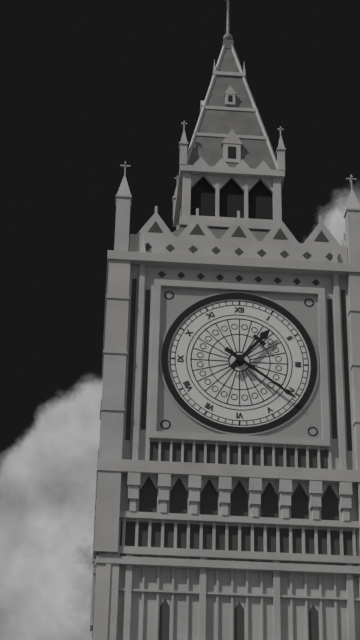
1 h 21 min
